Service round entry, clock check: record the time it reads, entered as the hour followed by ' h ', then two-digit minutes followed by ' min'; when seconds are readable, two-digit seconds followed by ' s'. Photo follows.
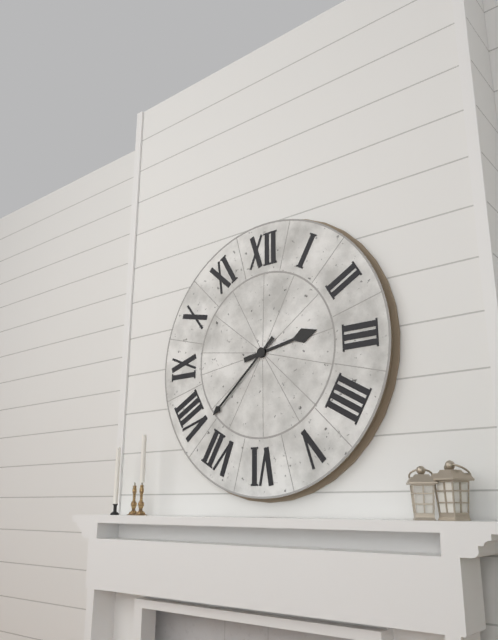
2 h 38 min
